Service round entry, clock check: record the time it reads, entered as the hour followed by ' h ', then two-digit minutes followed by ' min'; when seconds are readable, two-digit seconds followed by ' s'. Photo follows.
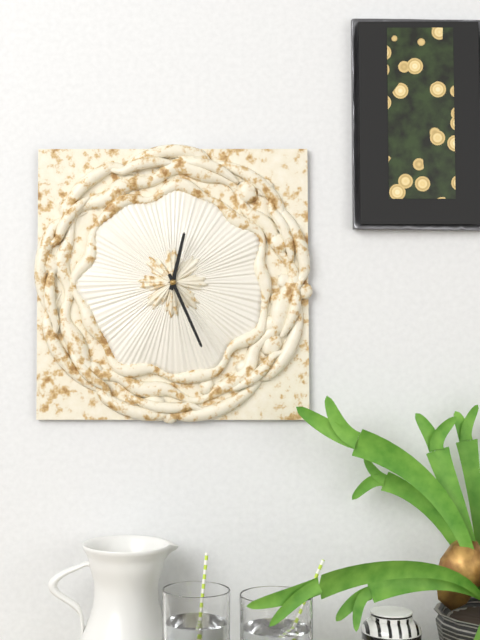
12 h 26 min
